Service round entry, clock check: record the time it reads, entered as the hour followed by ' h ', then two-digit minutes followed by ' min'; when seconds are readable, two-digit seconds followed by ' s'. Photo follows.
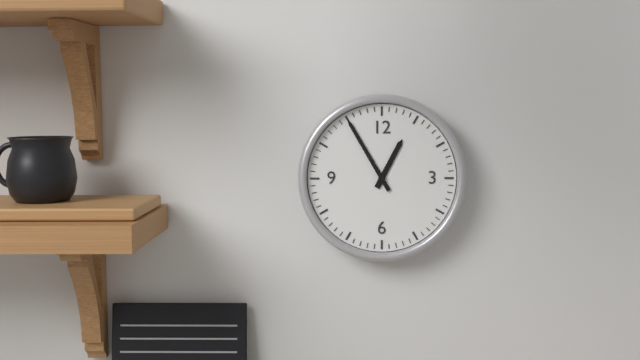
12 h 55 min
